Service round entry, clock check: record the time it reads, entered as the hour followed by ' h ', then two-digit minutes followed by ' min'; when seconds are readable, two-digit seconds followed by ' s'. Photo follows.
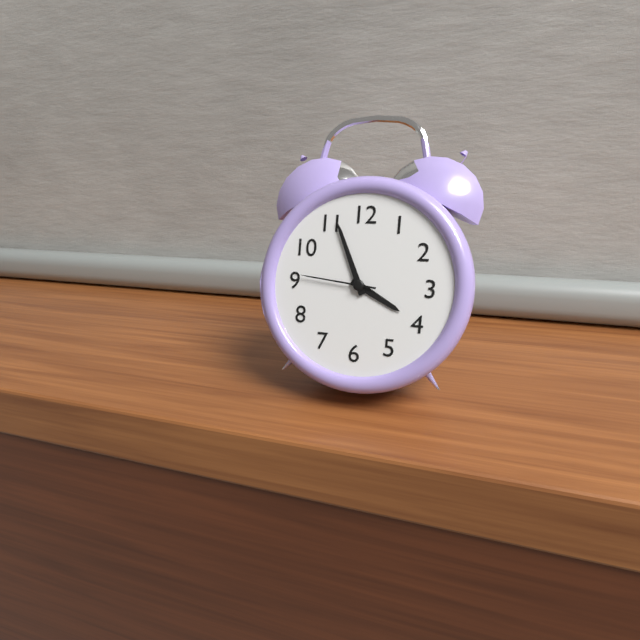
3 h 56 min 46 s
